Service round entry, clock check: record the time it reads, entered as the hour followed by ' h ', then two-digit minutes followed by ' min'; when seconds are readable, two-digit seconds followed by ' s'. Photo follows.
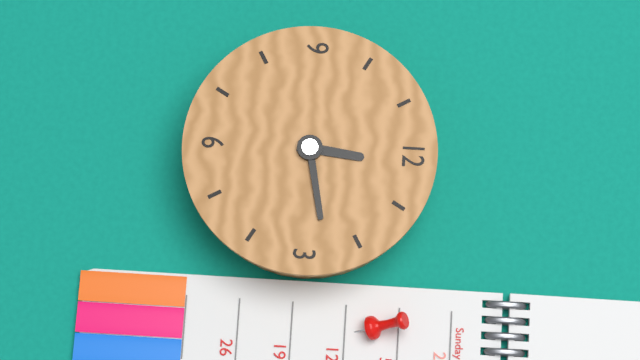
12 h 13 min
